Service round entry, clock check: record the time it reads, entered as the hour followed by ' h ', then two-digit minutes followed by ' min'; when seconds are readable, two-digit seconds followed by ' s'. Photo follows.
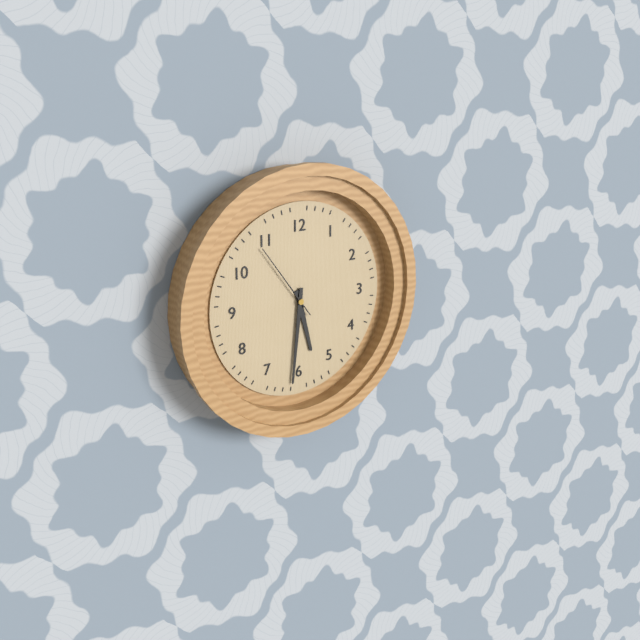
5 h 31 min 54 s
